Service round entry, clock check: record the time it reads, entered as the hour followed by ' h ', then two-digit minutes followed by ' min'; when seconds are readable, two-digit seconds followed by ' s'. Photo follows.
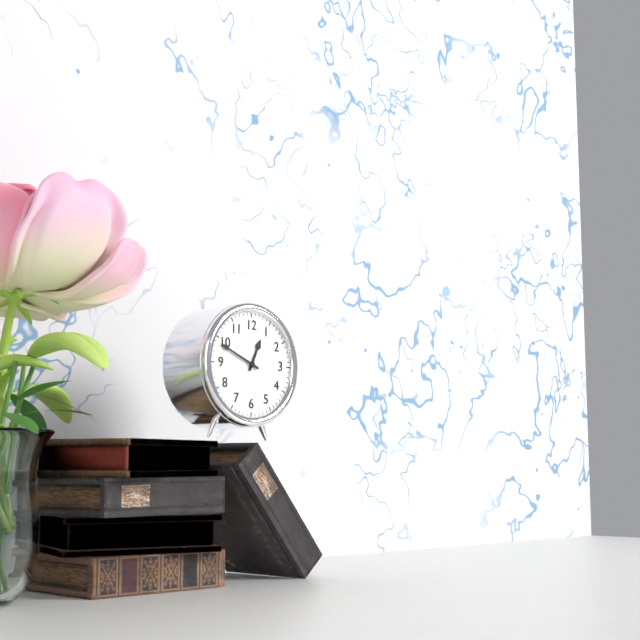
12 h 49 min
